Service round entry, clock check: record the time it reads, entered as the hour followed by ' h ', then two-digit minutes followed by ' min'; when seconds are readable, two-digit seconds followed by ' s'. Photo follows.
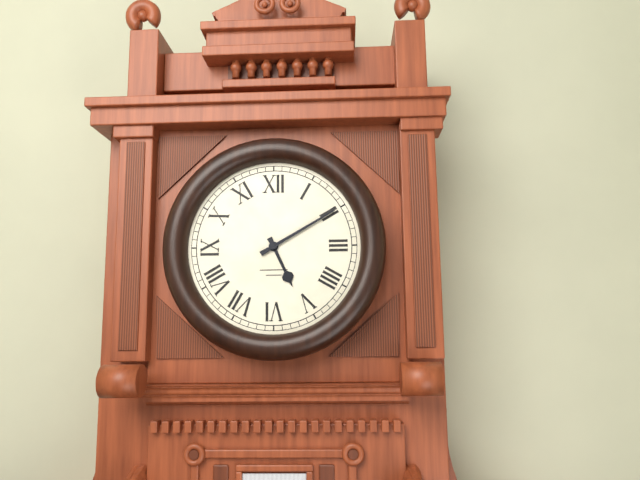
5 h 10 min
